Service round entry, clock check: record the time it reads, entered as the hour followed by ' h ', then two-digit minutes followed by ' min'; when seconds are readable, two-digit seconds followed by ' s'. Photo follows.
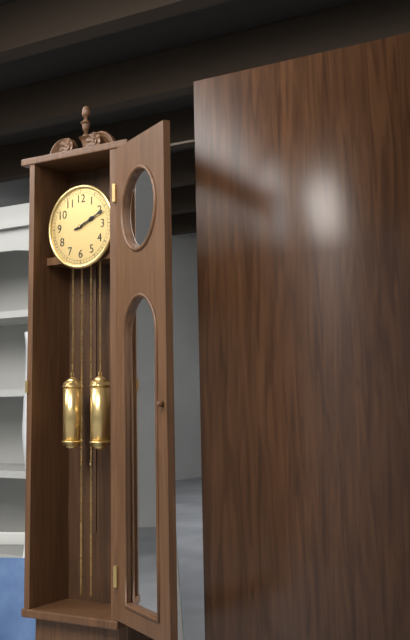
2 h 11 min
